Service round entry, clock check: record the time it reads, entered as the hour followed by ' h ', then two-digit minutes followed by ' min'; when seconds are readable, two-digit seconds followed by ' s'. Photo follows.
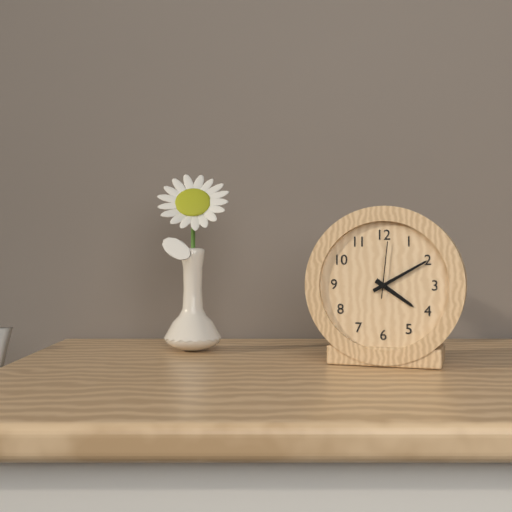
4 h 10 min 01 s
